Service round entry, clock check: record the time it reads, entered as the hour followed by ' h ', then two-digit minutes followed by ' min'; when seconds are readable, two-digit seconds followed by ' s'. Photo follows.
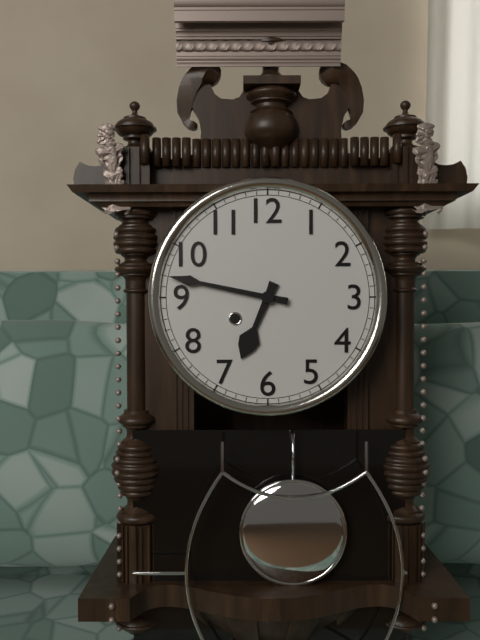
6 h 47 min
